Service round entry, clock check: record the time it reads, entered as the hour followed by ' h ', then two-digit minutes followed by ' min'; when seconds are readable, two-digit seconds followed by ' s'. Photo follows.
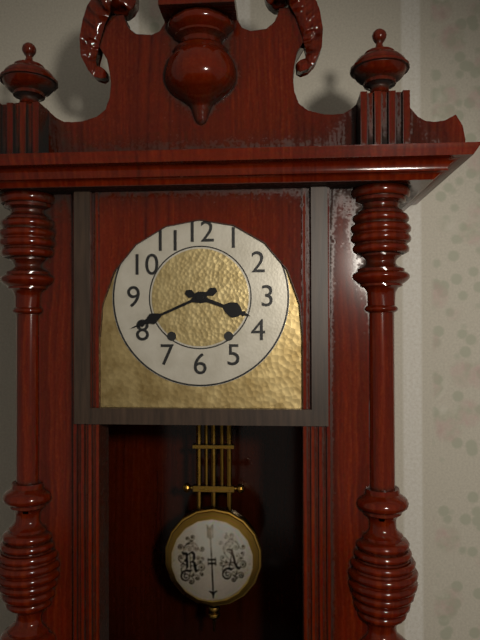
3 h 41 min
